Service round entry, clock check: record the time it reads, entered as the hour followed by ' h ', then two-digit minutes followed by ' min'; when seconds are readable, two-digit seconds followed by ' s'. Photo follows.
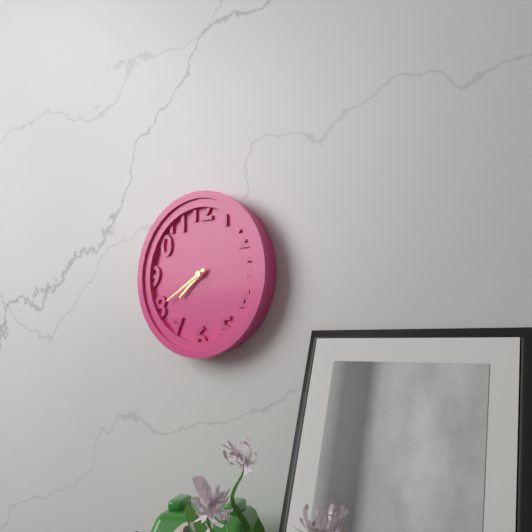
7 h 40 min
